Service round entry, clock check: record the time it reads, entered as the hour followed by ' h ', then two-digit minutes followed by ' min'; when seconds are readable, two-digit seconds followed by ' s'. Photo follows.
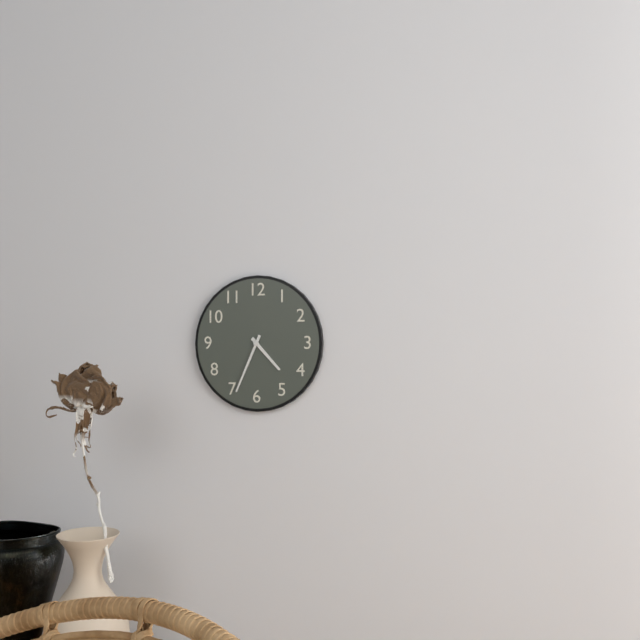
4 h 34 min
